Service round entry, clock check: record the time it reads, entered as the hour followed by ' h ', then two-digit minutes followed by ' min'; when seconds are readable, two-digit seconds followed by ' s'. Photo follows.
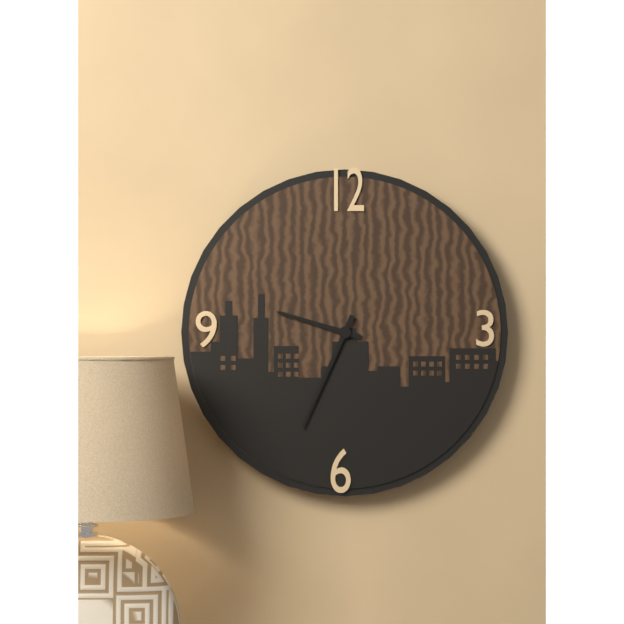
9 h 34 min
